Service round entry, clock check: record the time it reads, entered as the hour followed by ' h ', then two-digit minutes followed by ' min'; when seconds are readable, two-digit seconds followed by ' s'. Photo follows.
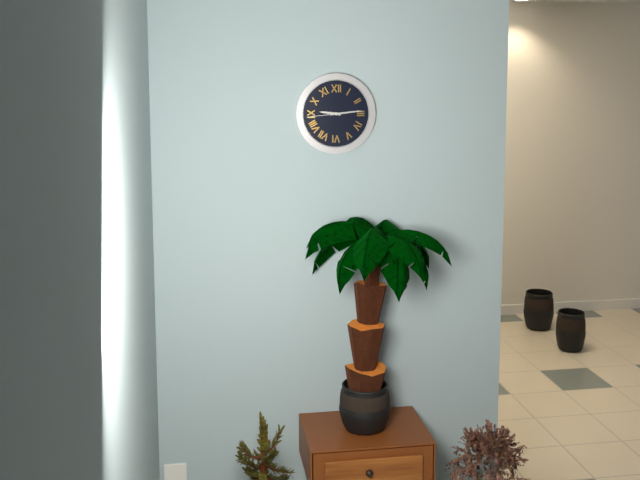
9 h 14 min
